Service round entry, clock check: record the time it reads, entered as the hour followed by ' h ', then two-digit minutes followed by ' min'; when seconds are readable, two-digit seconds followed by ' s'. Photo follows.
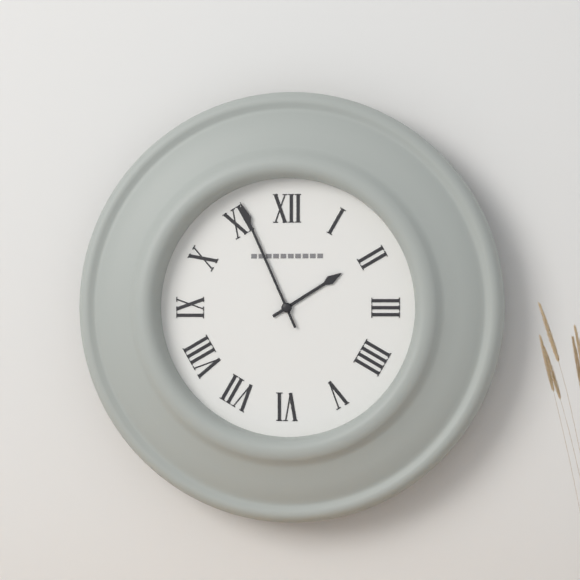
1 h 56 min
